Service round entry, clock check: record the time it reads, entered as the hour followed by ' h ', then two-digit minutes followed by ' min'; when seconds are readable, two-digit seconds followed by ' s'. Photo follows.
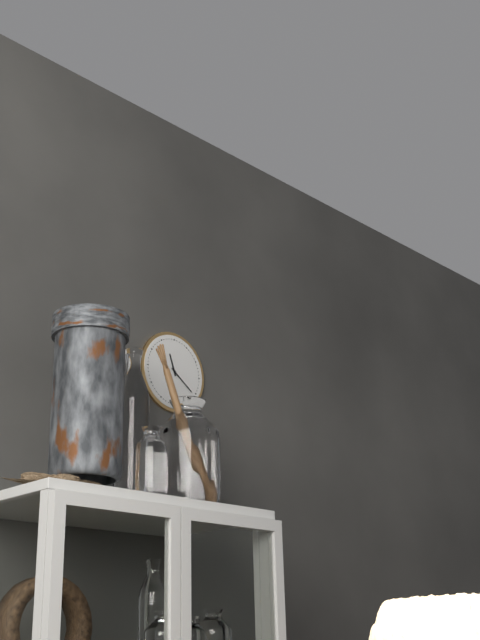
11 h 21 min
